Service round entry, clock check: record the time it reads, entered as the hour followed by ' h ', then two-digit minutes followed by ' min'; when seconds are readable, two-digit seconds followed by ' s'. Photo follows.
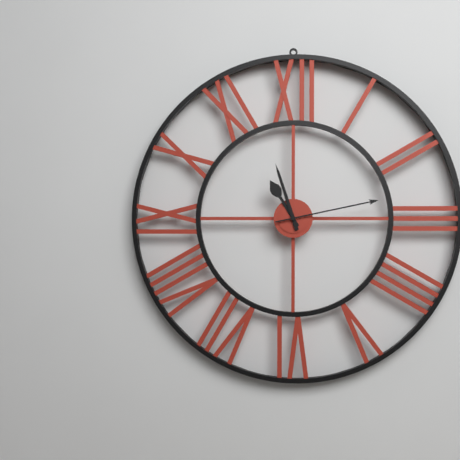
10 h 57 min 13 s
